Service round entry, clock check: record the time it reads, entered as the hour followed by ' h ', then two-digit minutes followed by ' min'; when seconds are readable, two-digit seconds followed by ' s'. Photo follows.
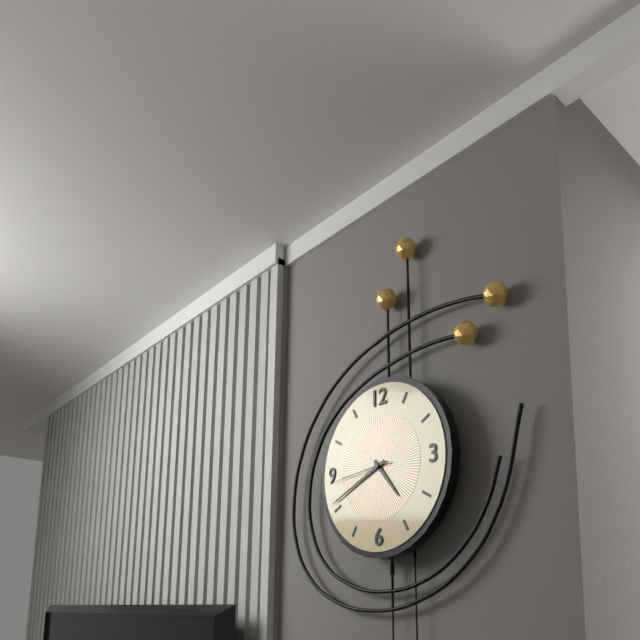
4 h 41 min 44 s
